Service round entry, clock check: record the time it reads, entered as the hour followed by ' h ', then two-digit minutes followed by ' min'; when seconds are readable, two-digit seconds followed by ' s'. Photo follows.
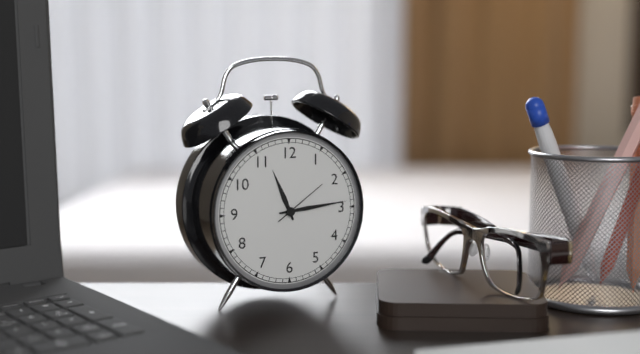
11 h 14 min 09 s
